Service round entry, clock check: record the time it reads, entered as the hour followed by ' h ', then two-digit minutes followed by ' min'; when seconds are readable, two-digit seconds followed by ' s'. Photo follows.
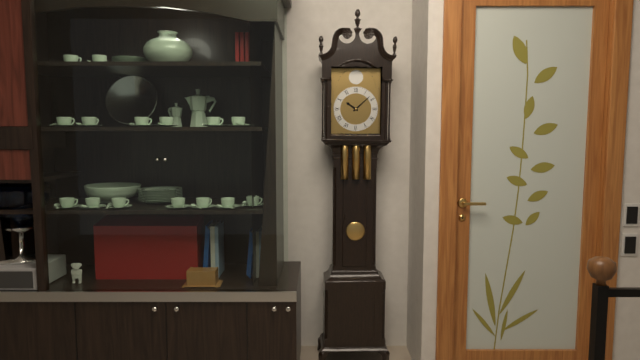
10 h 08 min
